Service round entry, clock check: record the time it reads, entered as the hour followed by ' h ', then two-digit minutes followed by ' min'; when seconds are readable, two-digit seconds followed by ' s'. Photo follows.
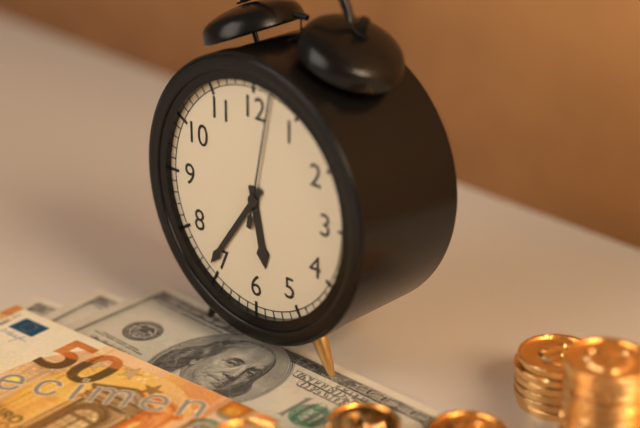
5 h 36 min 02 s
